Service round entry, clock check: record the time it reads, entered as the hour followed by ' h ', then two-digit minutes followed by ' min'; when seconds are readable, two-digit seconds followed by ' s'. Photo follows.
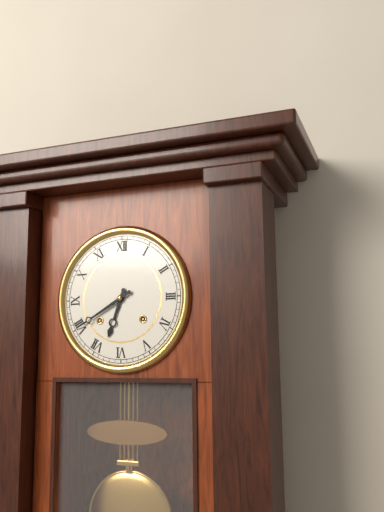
6 h 40 min
